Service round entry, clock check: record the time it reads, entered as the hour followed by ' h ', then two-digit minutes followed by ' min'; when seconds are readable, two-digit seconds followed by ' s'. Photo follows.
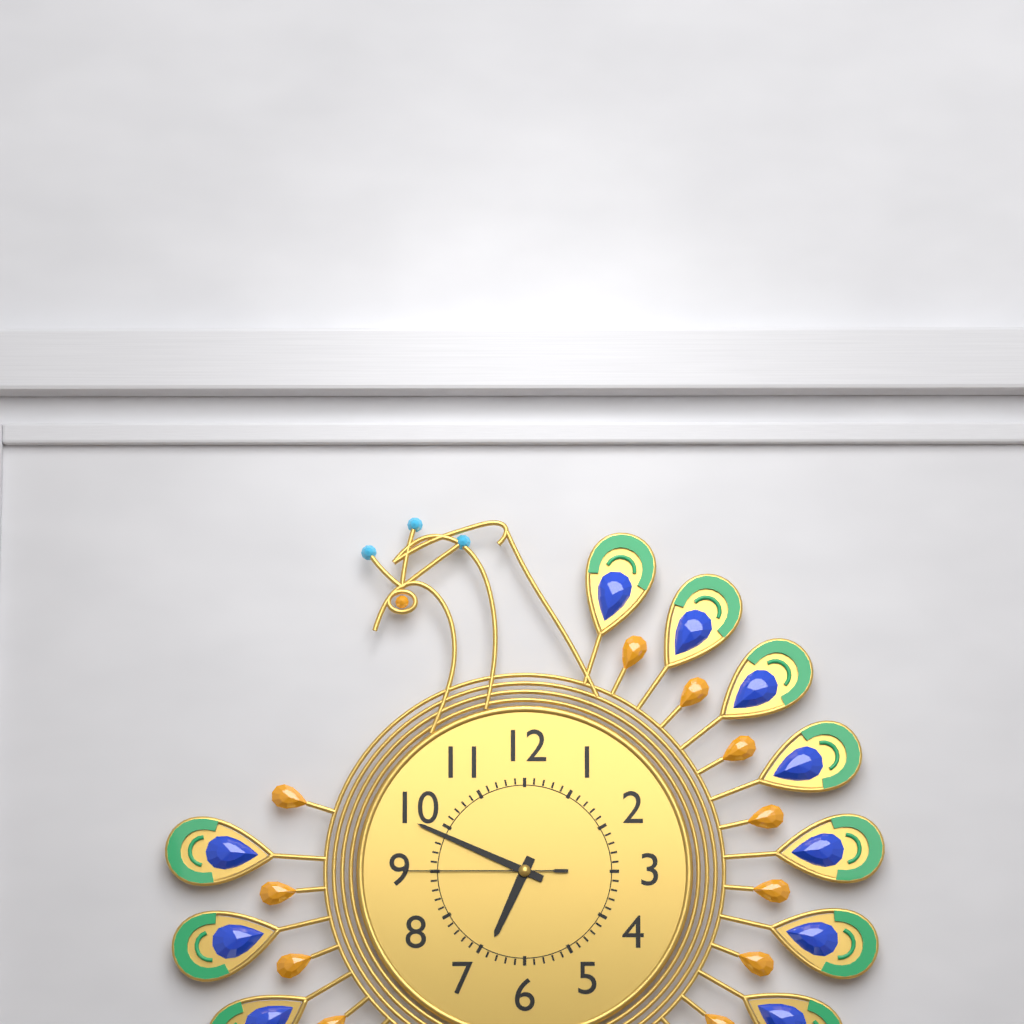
6 h 49 min 45 s
